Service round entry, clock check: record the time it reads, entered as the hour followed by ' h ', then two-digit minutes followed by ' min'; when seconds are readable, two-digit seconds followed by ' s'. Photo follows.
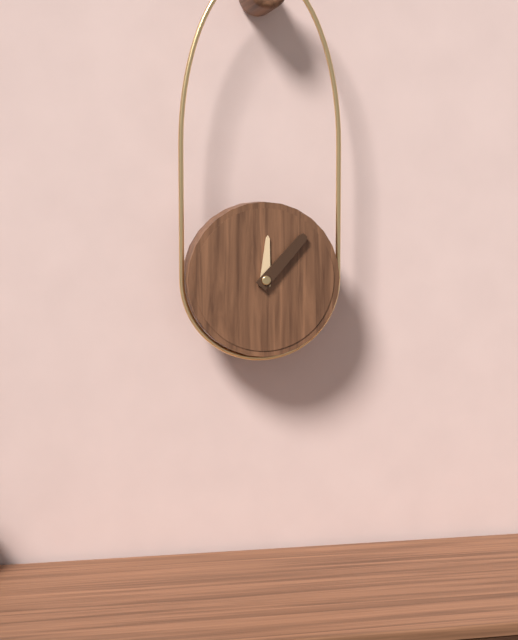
12 h 07 min
